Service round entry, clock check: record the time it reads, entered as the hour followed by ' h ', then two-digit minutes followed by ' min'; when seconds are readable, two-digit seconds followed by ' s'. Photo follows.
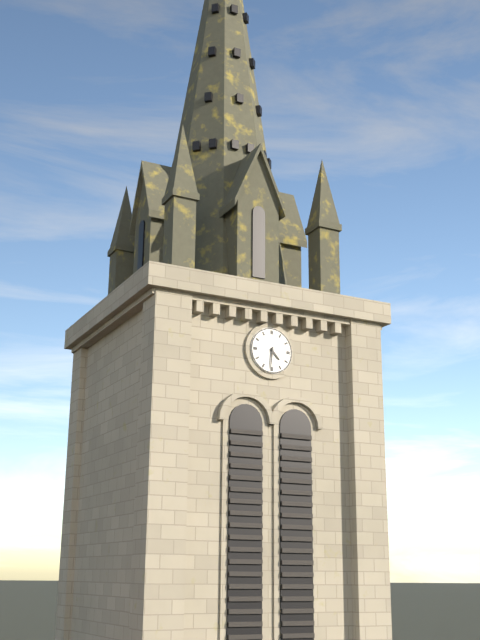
4 h 31 min
